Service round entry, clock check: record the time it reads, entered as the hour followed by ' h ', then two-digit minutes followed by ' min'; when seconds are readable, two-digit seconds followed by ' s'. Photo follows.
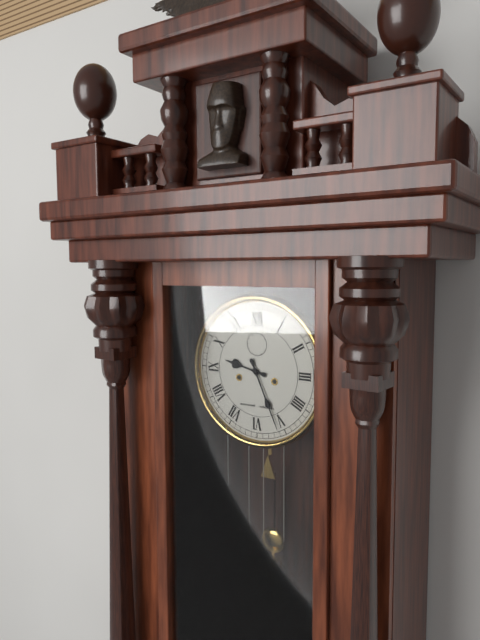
9 h 26 min
